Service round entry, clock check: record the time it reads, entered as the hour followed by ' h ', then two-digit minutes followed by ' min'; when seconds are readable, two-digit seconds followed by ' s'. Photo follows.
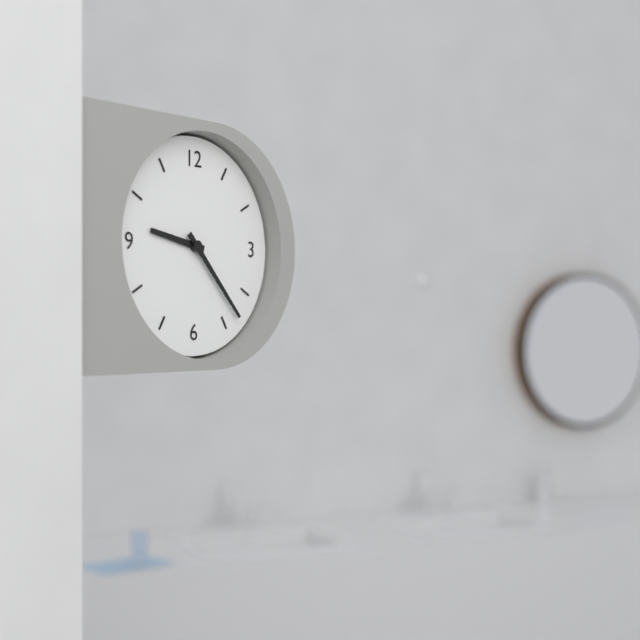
9 h 23 min
